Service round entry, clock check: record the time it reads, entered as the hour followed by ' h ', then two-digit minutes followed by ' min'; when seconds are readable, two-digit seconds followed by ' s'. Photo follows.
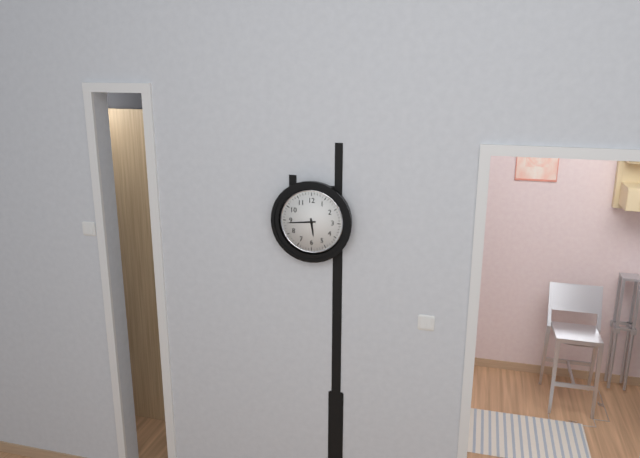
5 h 44 min
